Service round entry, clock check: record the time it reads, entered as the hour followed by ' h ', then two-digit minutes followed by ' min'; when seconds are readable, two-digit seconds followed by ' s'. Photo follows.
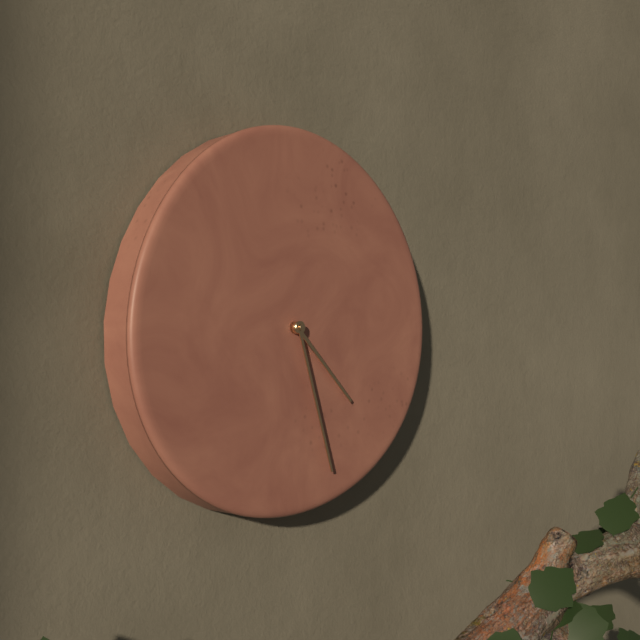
4 h 27 min
